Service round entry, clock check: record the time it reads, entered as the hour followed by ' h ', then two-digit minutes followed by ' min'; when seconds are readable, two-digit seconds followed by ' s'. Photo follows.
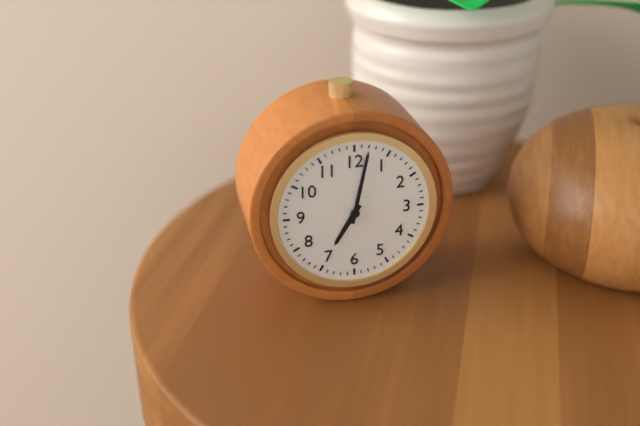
7 h 02 min
